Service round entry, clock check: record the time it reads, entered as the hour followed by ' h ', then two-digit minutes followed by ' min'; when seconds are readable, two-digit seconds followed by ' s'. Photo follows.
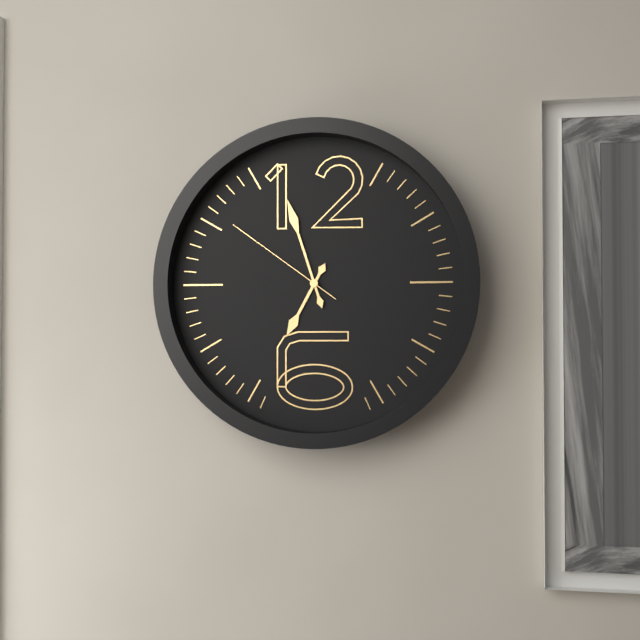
6 h 57 min 51 s
